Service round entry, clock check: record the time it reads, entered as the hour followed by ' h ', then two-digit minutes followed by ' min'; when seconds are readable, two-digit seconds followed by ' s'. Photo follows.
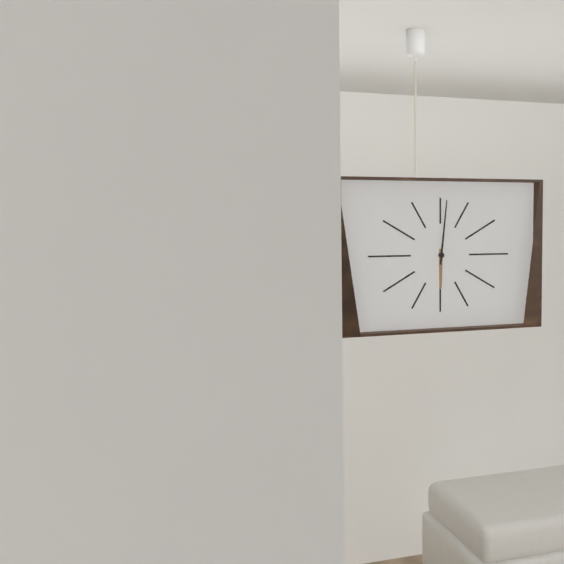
6 h 01 min
